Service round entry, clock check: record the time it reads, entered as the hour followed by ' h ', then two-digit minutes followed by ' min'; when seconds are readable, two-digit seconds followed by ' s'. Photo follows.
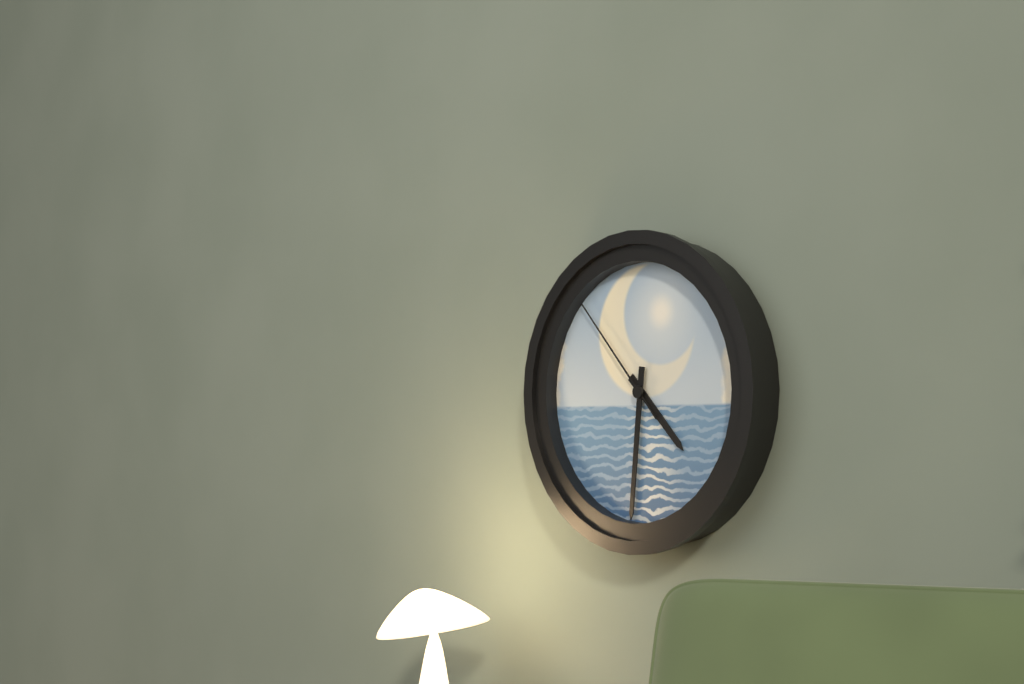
4 h 31 min 53 s
